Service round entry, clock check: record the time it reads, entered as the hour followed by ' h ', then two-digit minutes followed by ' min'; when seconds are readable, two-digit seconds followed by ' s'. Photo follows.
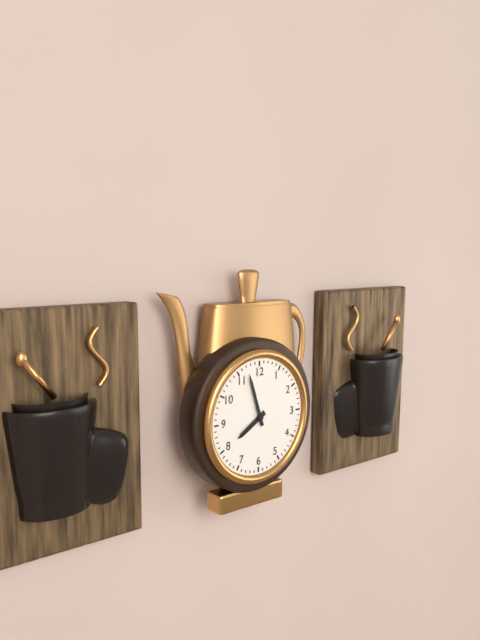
7 h 57 min
